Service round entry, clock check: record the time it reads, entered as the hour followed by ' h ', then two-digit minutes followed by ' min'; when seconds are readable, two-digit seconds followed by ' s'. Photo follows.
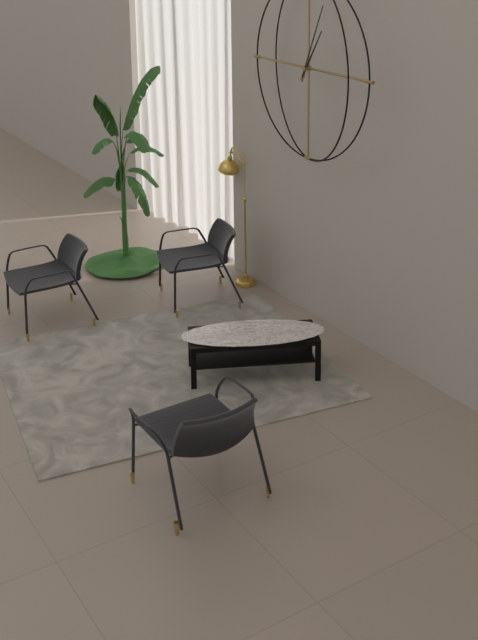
1 h 04 min
